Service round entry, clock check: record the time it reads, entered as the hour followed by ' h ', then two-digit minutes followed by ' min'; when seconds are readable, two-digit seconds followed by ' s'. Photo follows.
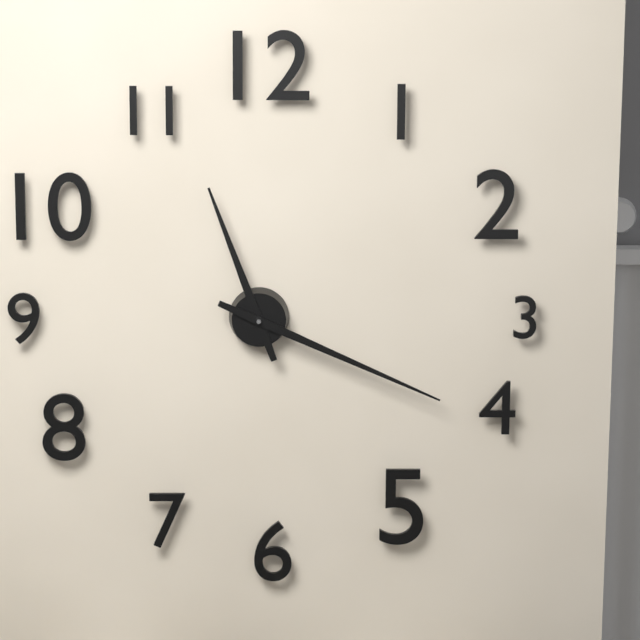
11 h 19 min
